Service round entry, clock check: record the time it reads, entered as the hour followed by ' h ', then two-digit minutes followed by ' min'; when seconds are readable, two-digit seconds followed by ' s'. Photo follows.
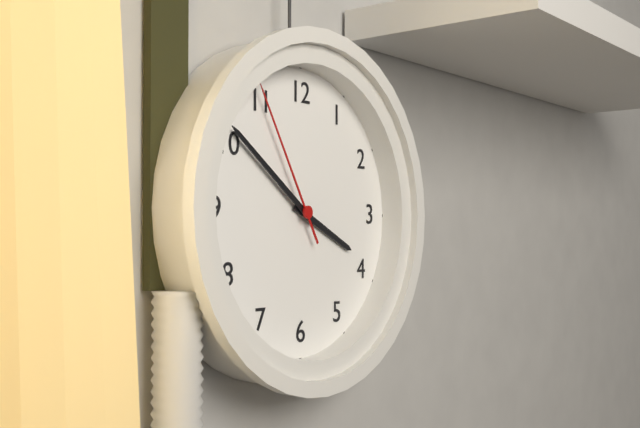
3 h 51 min 55 s
